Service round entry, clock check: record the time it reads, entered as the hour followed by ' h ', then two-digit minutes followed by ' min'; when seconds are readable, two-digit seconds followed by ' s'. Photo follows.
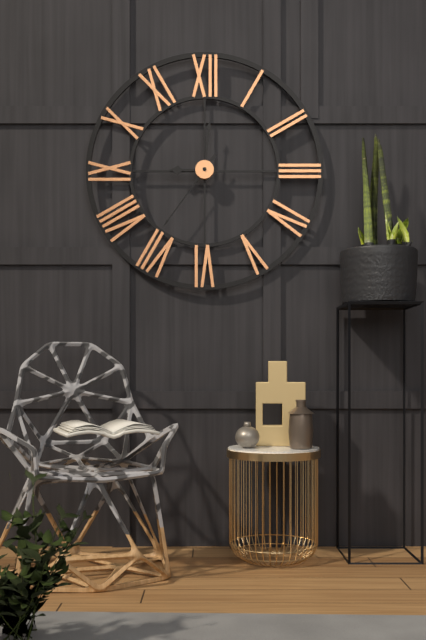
9 h 01 min 36 s
